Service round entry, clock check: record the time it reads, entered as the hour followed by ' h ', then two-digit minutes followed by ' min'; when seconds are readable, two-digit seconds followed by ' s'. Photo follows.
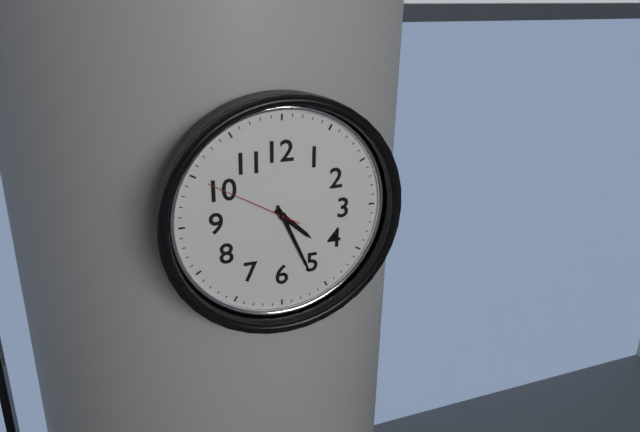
4 h 26 min 50 s
